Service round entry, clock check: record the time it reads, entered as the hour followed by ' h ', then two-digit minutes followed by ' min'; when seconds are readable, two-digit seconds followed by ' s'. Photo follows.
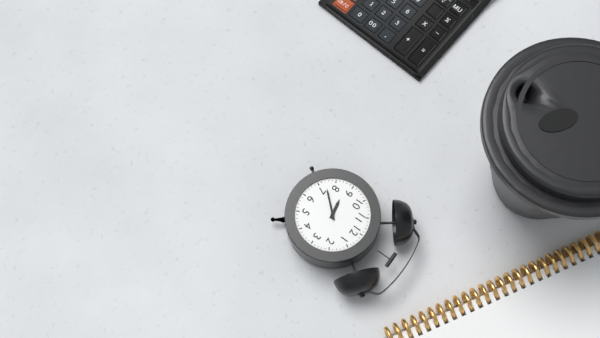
8 h 37 min
